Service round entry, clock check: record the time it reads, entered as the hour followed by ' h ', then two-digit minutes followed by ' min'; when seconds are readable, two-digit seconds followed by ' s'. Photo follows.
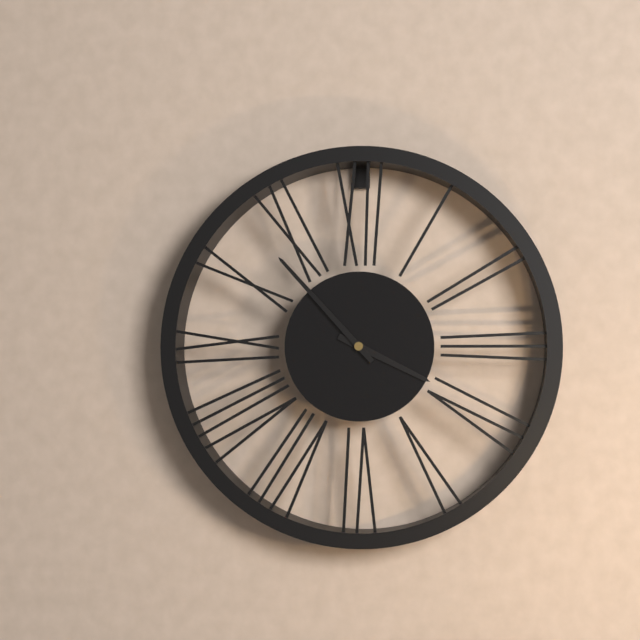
3 h 53 min
